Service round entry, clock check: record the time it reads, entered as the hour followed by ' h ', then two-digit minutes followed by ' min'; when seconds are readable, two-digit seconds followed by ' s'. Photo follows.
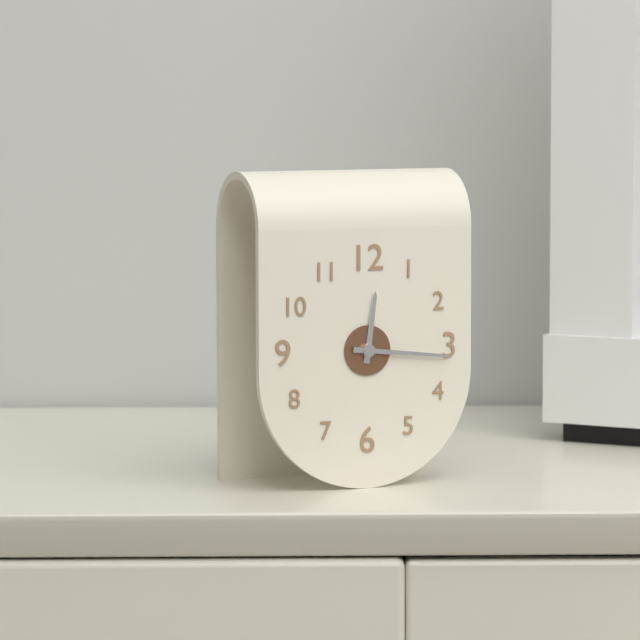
12 h 16 min
